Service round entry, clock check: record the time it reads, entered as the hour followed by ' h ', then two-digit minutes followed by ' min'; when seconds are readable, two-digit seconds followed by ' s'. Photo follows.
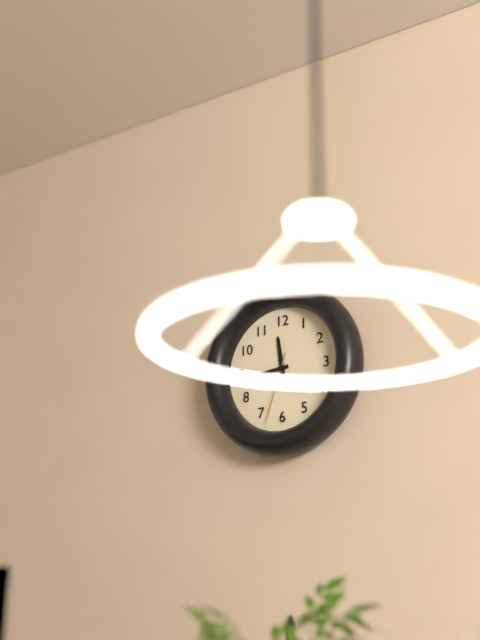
11 h 44 min 33 s
